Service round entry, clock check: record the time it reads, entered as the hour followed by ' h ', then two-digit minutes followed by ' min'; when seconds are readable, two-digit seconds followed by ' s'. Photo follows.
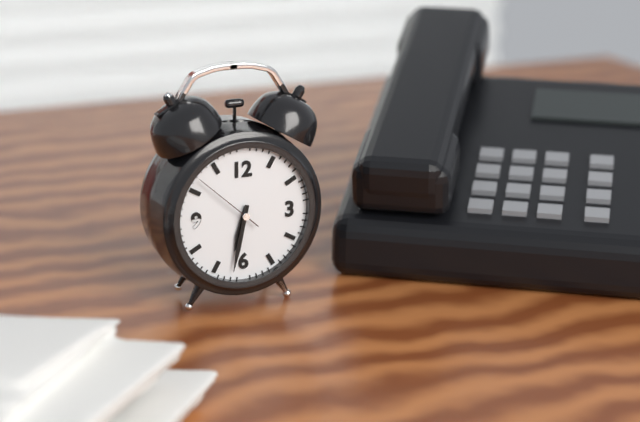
6 h 32 min 52 s
